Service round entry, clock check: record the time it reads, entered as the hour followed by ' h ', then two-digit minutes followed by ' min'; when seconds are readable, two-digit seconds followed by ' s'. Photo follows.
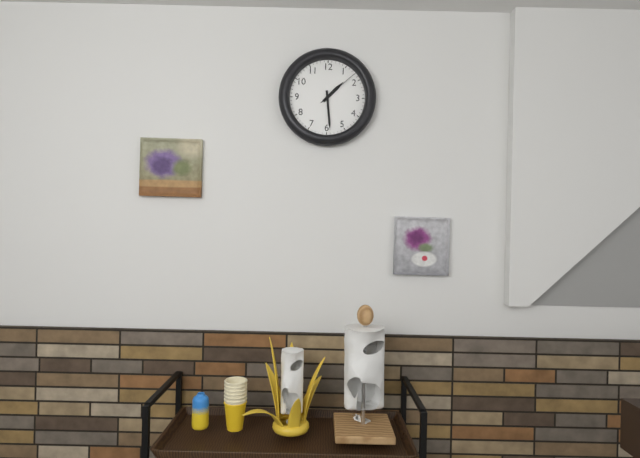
1 h 29 min
